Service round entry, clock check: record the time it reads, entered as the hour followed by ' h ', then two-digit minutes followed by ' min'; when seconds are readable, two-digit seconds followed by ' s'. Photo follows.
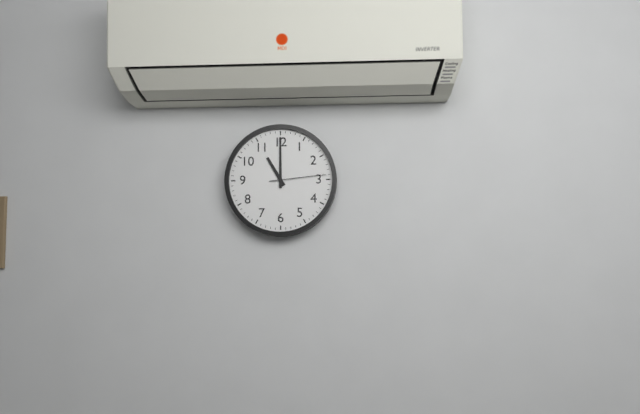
11 h 00 min 14 s
